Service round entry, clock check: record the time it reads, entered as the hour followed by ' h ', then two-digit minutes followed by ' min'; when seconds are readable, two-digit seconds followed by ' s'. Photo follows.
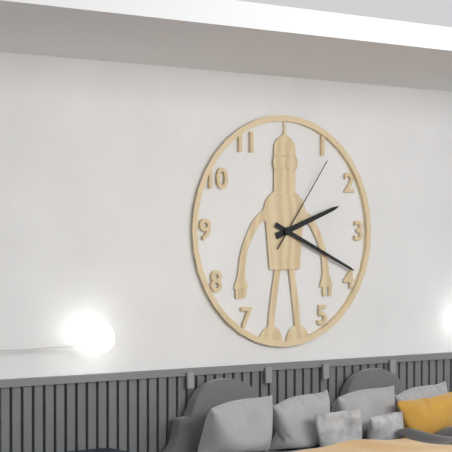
2 h 19 min 06 s
